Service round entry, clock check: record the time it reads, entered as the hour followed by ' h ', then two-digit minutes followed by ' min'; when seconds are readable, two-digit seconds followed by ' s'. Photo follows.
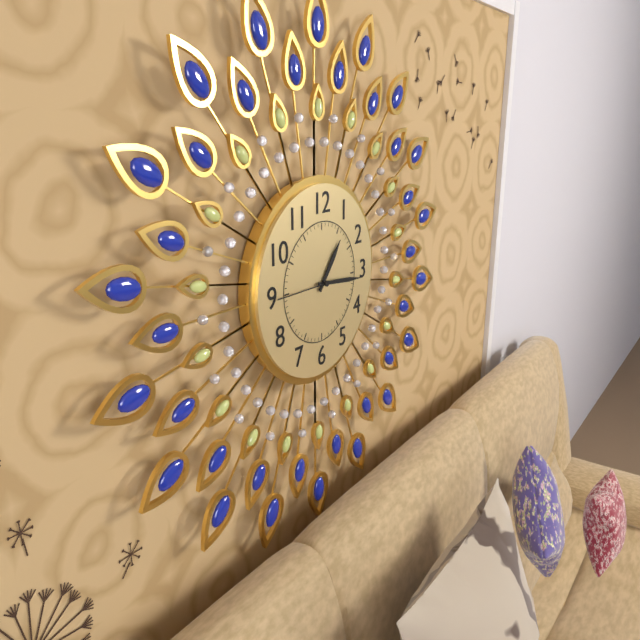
1 h 16 min 45 s
